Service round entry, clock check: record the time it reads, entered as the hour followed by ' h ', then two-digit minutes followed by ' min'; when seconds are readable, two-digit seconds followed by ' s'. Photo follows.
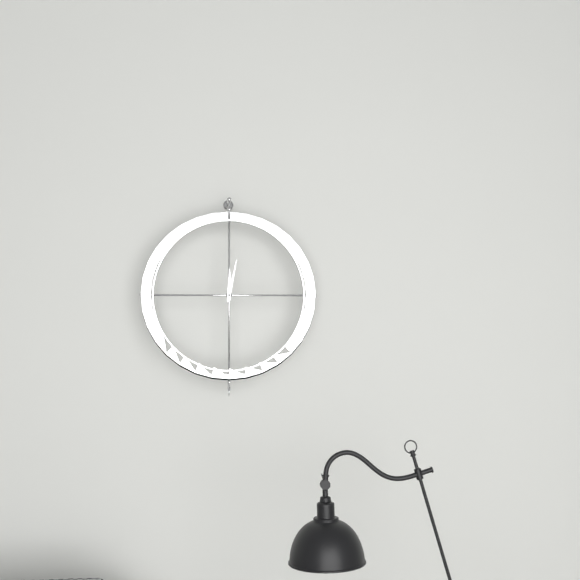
12 h 02 min
